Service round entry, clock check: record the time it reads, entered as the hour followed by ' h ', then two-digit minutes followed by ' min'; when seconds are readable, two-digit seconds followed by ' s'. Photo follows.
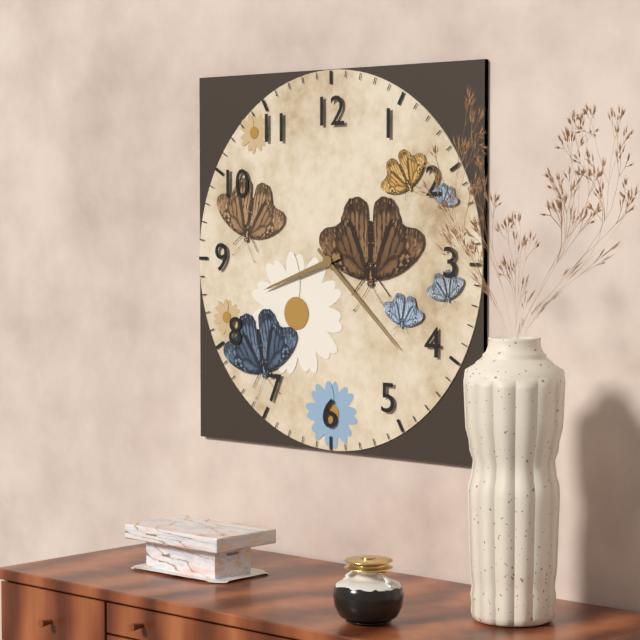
8 h 22 min
